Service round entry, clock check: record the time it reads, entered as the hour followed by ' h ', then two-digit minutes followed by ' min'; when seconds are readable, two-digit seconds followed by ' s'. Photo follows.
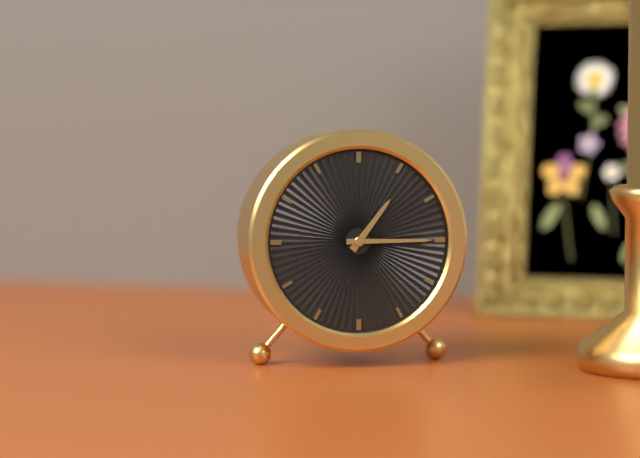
1 h 15 min
